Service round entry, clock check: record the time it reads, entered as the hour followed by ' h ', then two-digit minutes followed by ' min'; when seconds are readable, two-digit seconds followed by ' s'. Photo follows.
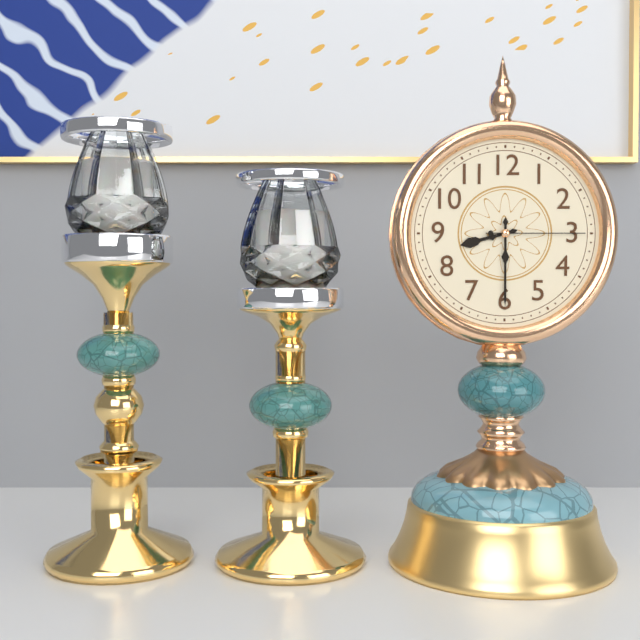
8 h 30 min 15 s
